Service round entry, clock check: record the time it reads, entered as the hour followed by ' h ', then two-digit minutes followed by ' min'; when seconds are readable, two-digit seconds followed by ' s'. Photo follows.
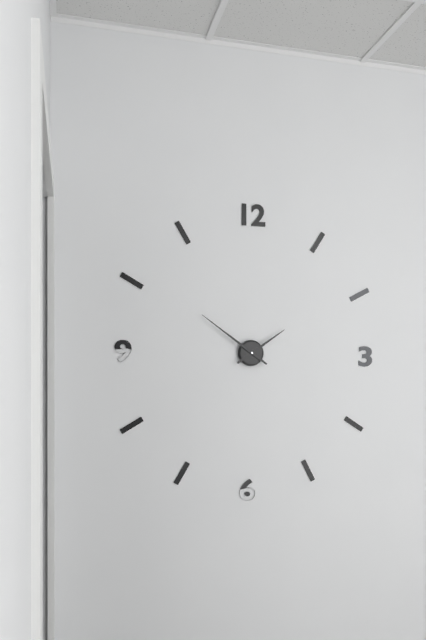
1 h 51 min
